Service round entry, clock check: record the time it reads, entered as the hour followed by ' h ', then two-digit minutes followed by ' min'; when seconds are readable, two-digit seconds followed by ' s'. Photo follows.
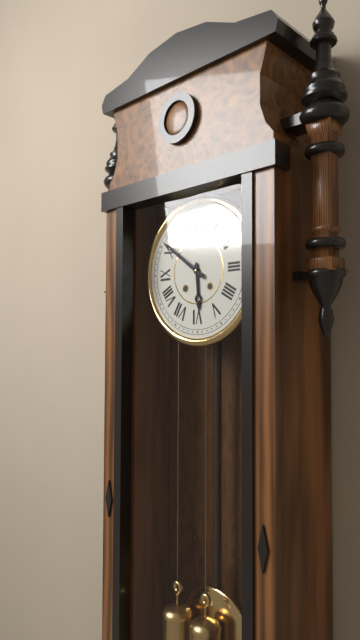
5 h 51 min
